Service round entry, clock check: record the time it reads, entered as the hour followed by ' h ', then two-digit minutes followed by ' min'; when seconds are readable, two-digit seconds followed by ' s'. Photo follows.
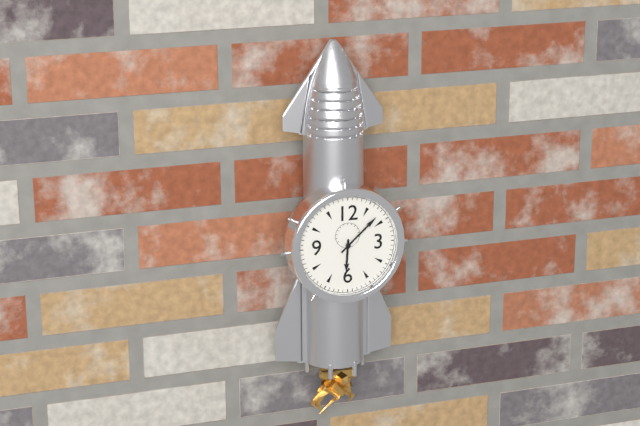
6 h 08 min
